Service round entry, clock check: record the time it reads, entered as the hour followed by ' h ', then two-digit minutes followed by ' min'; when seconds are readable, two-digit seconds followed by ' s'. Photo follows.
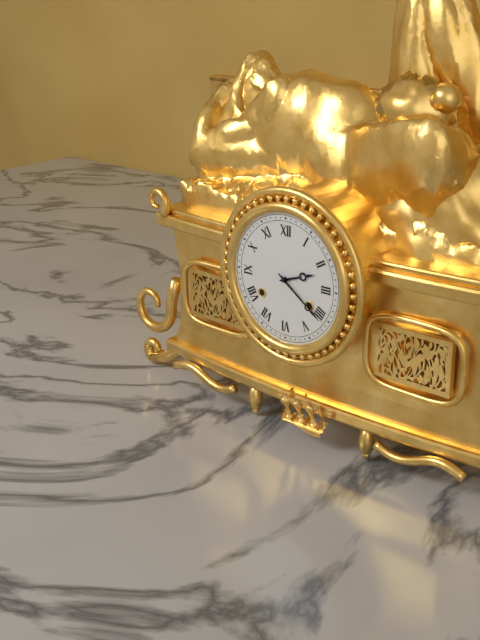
2 h 21 min
